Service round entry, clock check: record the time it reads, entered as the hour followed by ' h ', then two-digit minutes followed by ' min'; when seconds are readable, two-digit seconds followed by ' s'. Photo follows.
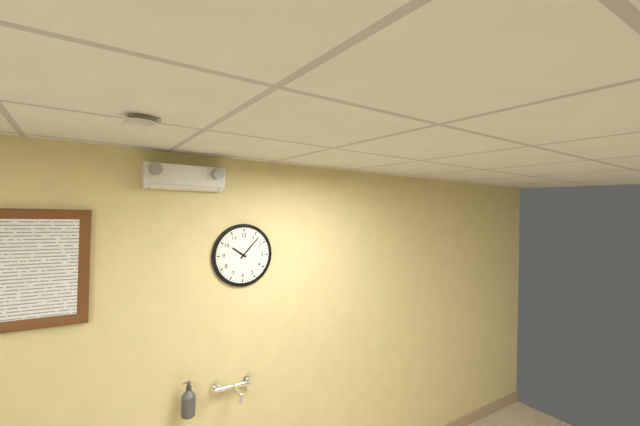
10 h 07 min
